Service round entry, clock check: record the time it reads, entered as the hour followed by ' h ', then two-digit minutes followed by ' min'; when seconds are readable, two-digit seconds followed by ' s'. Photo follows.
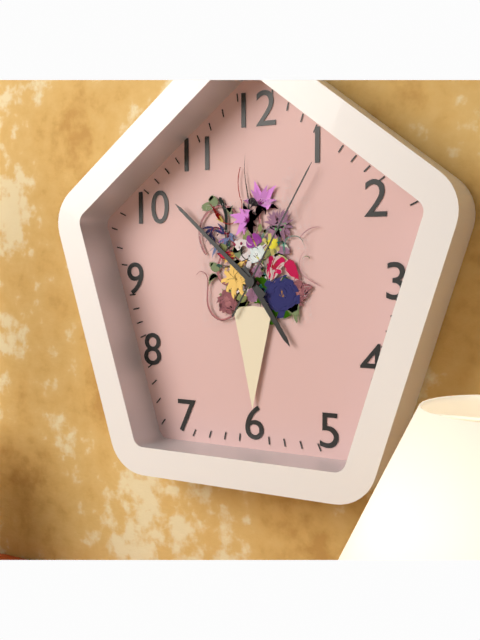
4 h 52 min 05 s
